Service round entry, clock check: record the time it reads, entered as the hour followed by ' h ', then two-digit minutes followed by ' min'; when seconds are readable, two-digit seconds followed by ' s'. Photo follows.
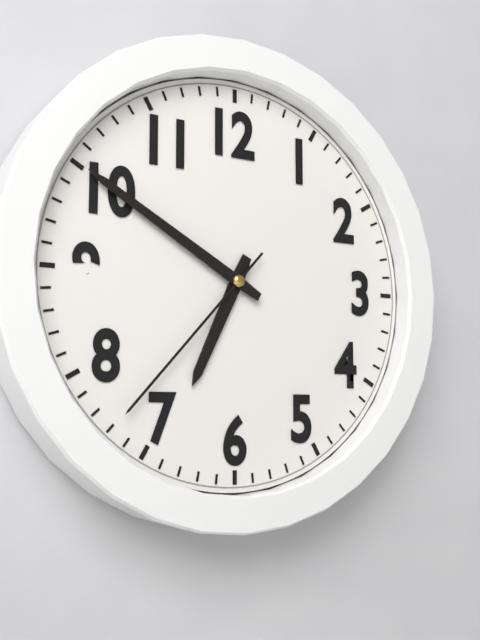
6 h 50 min 37 s
